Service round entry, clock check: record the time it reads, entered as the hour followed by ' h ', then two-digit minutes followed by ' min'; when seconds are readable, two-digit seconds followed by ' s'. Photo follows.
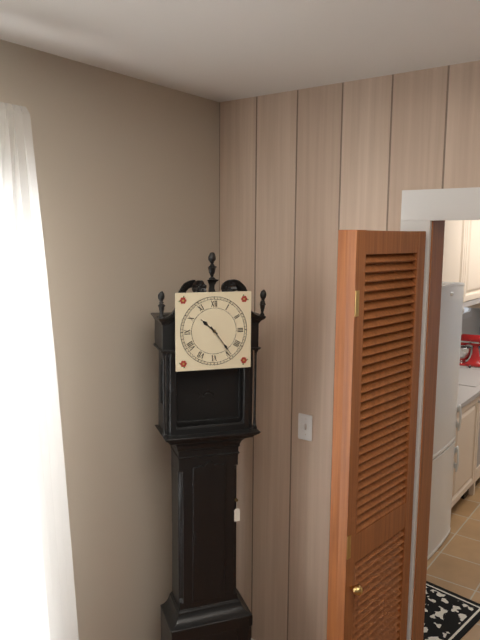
10 h 24 min
